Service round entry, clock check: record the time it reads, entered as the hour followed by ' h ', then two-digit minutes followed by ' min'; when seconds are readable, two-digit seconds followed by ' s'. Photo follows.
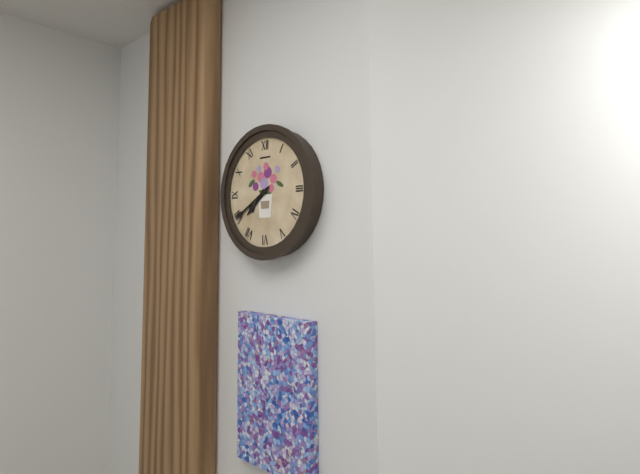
7 h 40 min
